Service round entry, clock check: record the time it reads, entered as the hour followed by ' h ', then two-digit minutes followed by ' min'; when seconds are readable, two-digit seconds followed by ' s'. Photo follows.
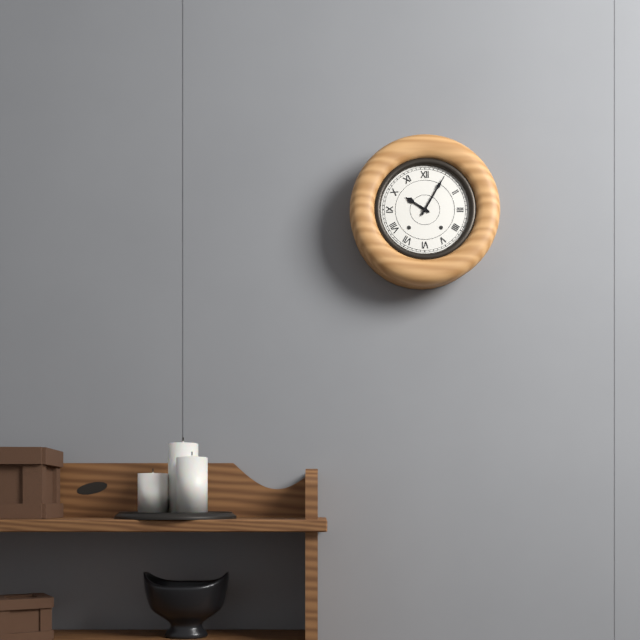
10 h 05 min
